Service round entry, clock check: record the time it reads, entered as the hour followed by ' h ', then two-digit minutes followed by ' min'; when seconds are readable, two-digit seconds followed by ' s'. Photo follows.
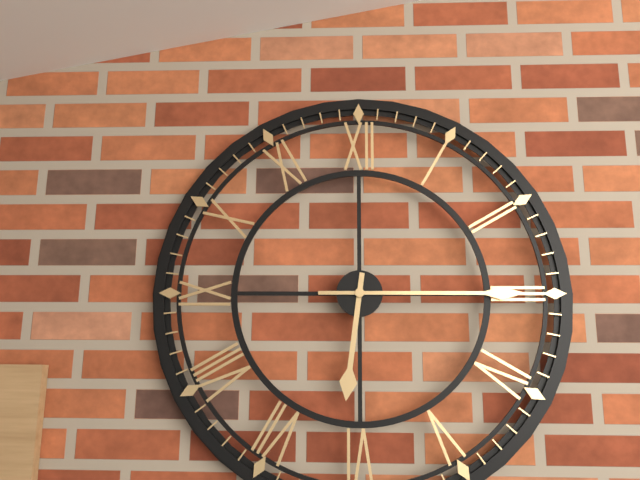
6 h 15 min
